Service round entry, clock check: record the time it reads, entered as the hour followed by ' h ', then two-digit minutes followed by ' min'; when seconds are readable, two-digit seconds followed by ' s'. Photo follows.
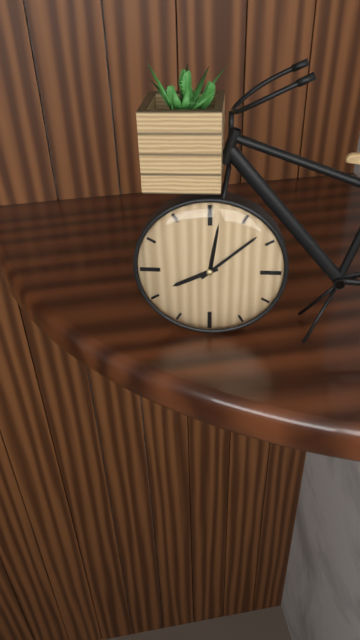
8 h 08 min
